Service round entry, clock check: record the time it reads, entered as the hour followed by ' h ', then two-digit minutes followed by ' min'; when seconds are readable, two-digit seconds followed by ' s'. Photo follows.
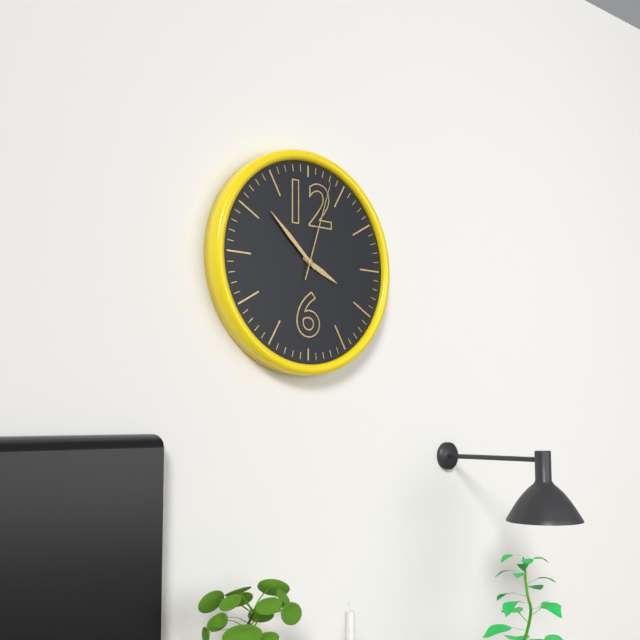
3 h 52 min 03 s
